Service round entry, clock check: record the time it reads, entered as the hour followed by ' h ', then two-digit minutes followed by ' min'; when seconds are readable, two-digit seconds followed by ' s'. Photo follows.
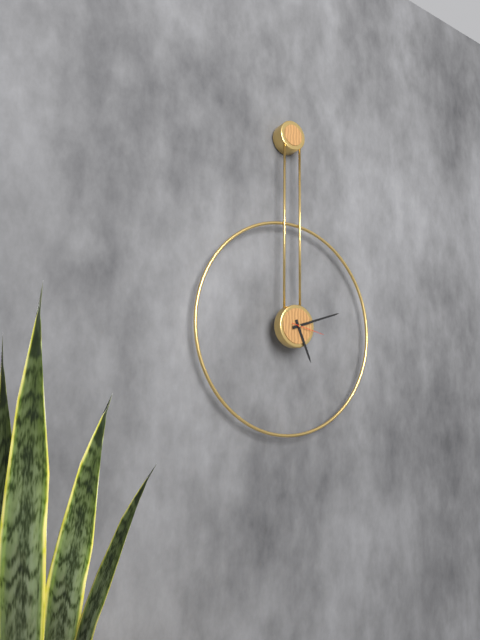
5 h 12 min
